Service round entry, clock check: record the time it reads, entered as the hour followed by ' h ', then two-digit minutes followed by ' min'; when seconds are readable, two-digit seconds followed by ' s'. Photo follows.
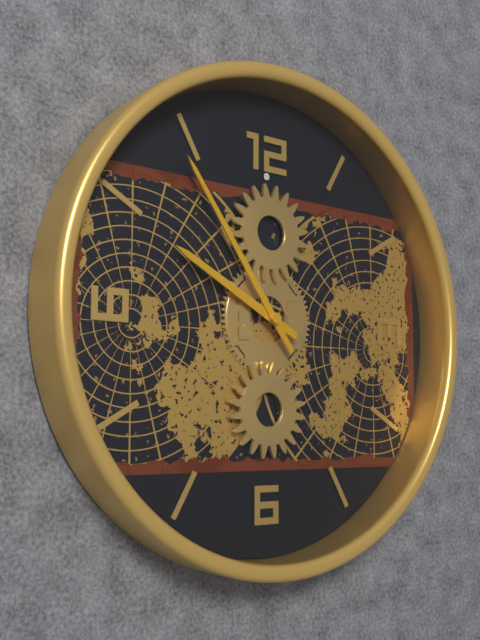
9 h 54 min
